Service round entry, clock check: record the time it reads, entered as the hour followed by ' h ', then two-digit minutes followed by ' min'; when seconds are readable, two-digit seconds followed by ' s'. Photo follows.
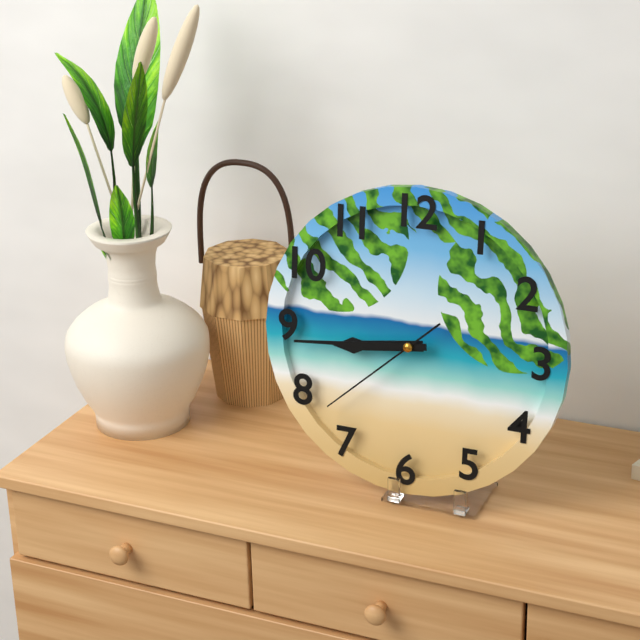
8 h 44 min 38 s
